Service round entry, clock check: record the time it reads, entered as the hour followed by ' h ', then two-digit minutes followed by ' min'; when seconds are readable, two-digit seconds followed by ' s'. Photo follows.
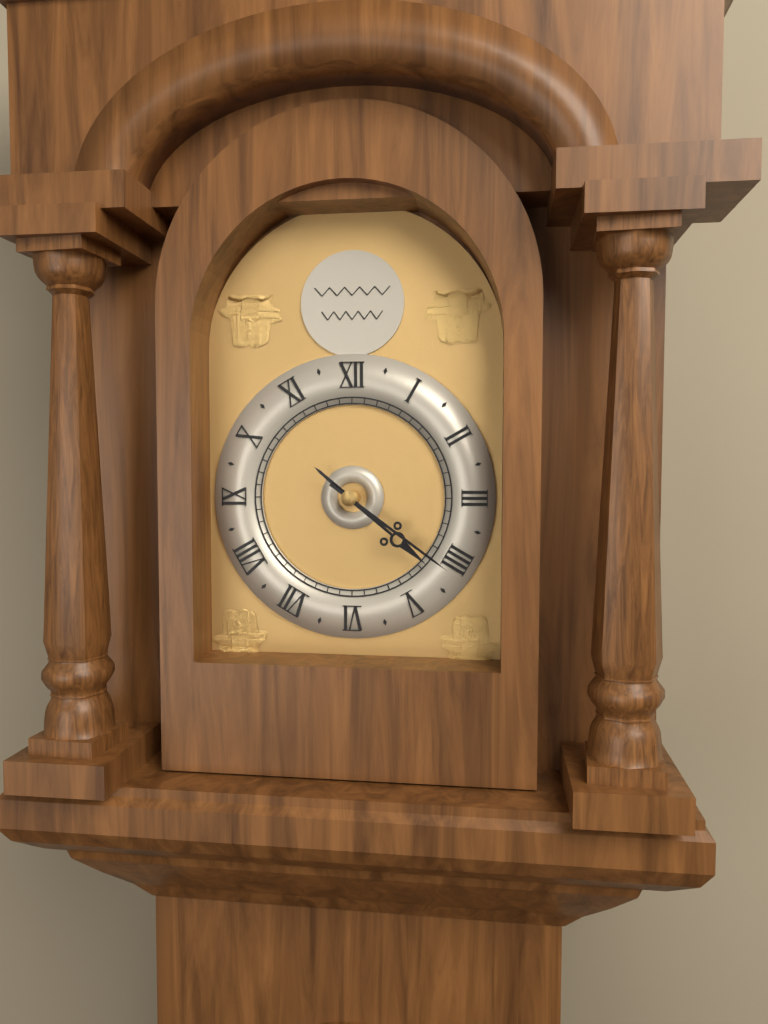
4 h 21 min
